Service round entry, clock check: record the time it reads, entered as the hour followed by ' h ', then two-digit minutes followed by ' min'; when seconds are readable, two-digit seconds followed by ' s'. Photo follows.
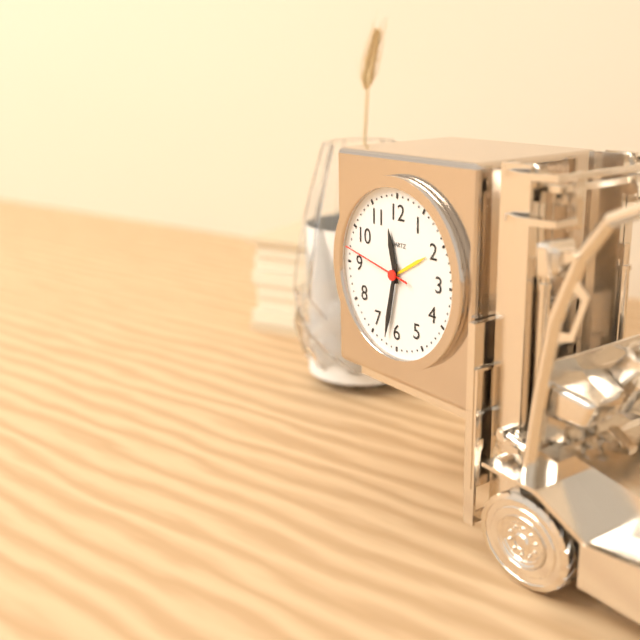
11 h 32 min 47 s
